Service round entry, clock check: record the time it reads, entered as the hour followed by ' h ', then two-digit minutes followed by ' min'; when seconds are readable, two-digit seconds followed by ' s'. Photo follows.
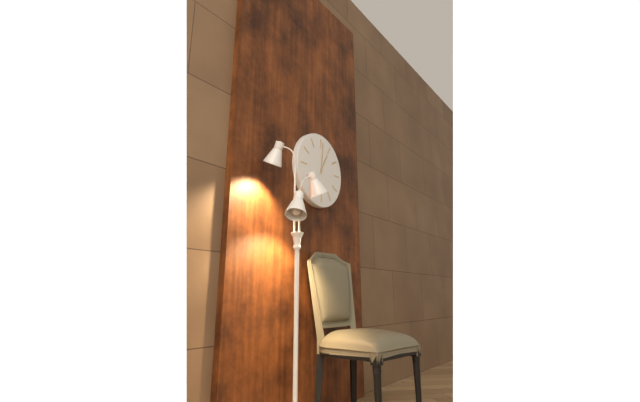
1 h 01 min
